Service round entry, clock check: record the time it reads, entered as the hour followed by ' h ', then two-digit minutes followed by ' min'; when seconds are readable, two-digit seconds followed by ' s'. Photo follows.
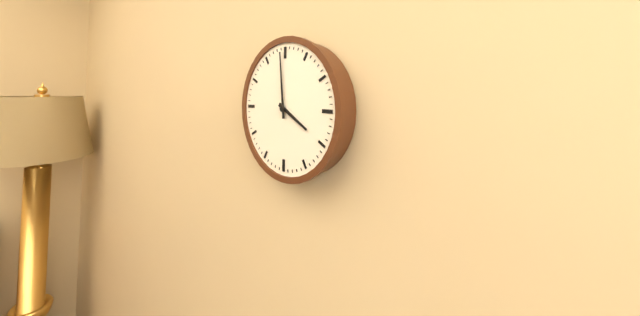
3 h 59 min
